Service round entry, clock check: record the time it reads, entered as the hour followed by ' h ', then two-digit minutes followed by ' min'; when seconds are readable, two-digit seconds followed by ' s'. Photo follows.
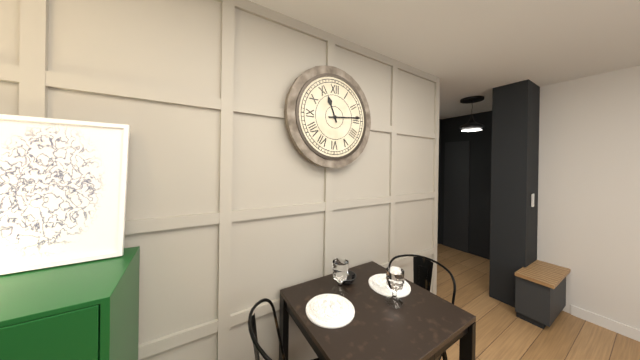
11 h 14 min
